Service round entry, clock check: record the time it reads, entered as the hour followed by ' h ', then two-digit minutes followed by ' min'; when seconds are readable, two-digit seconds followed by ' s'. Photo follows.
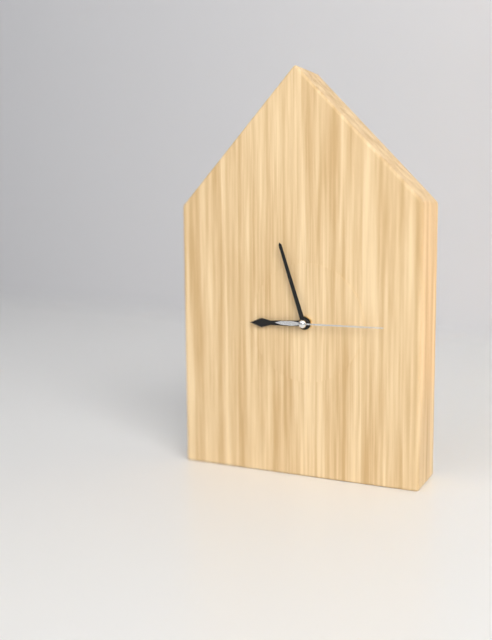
8 h 57 min 15 s
